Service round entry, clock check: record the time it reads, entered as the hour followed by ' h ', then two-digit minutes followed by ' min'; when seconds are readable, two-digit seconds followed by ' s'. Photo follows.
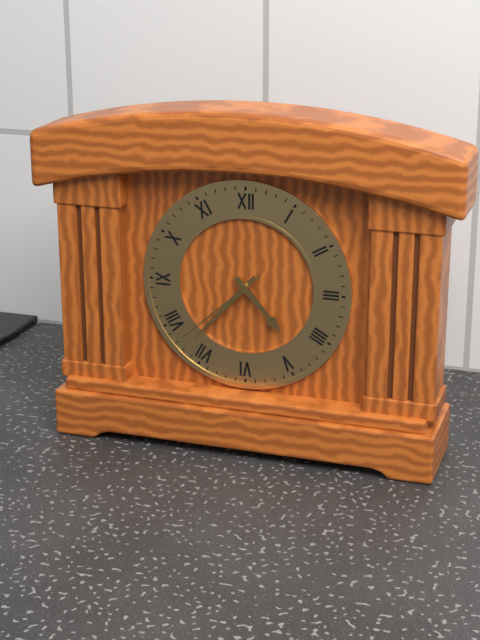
4 h 37 min 38 s
